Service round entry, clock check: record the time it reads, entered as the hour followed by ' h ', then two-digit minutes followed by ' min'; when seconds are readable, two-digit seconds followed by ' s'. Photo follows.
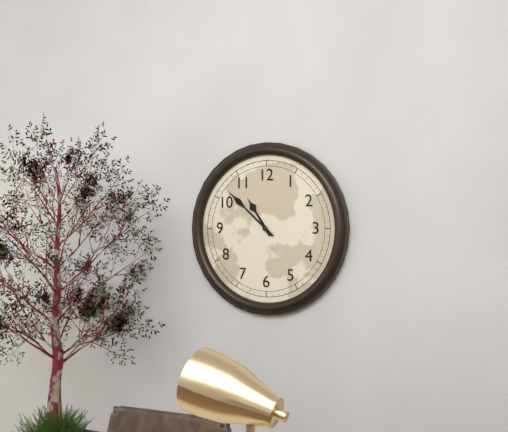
10 h 52 min
